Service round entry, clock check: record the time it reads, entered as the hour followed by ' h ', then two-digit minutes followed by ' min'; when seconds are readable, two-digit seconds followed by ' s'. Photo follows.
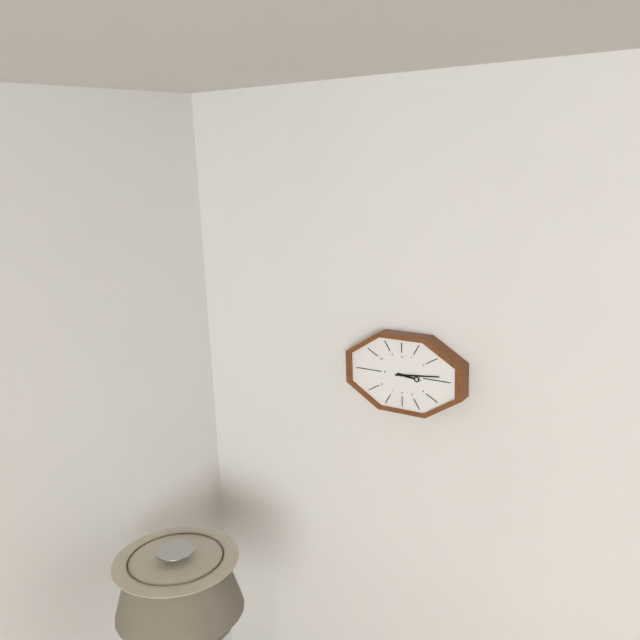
3 h 14 min
